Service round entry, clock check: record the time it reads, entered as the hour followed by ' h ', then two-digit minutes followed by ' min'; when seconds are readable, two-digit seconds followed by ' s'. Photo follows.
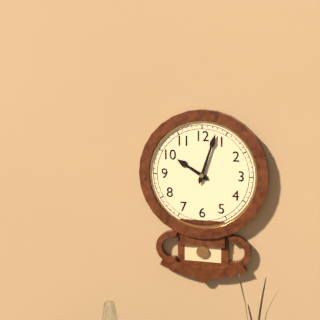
10 h 03 min
